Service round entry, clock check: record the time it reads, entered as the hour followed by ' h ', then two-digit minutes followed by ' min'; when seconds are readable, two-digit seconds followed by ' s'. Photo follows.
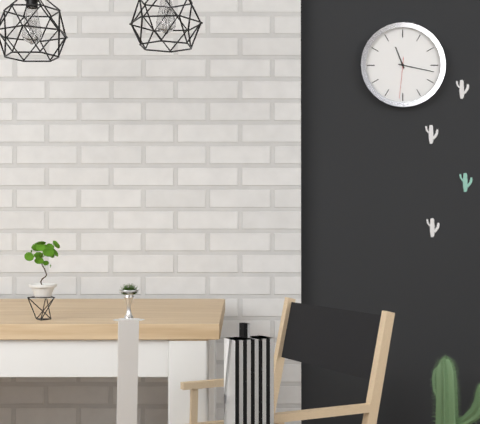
11 h 17 min
